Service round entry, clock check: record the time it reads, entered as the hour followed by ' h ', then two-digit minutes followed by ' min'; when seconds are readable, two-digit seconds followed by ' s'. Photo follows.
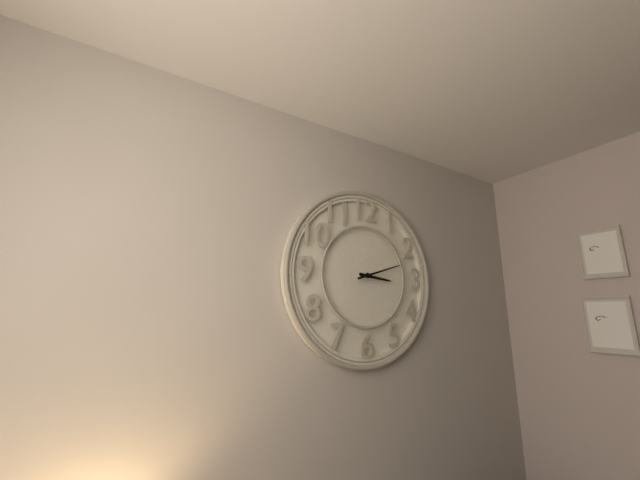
3 h 12 min
